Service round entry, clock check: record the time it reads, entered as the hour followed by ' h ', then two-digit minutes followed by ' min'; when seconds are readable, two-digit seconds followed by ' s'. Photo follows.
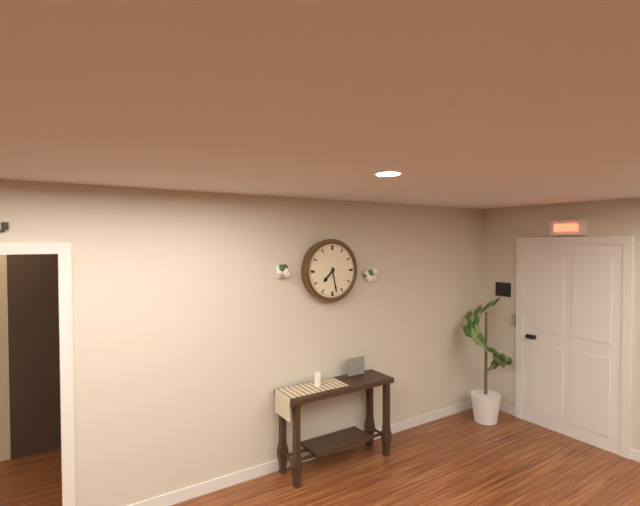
7 h 28 min
